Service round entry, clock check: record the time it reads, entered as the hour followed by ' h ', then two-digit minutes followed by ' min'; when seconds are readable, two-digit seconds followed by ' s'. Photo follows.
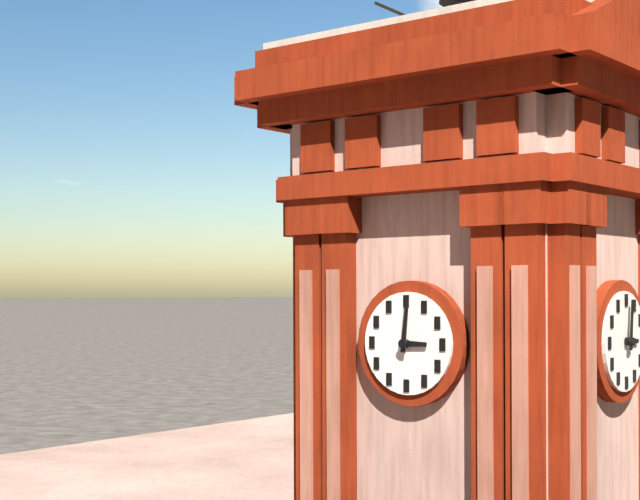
3 h 01 min
